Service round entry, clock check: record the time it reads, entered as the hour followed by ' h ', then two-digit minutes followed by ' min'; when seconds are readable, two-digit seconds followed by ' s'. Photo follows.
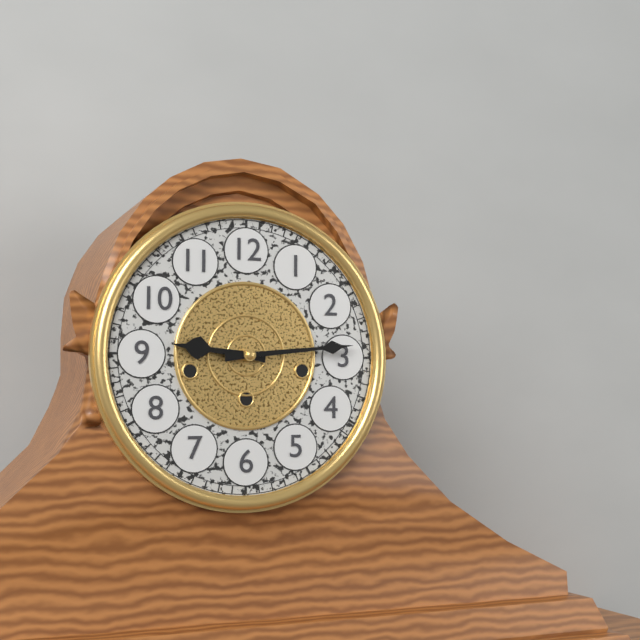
9 h 14 min
